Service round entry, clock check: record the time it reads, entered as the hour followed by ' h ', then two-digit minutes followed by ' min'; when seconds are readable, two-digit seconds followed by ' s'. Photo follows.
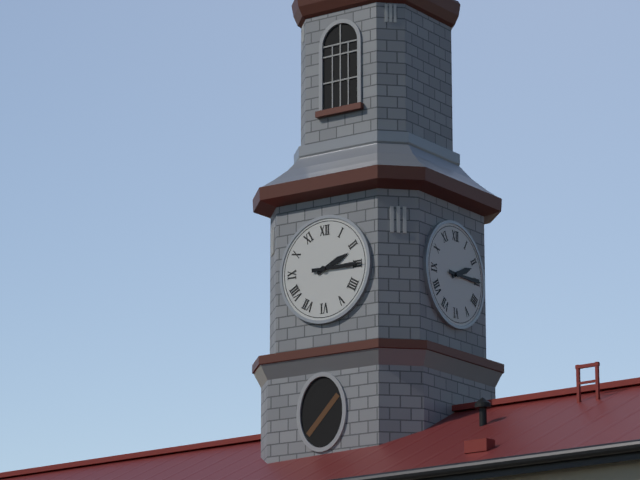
2 h 15 min
